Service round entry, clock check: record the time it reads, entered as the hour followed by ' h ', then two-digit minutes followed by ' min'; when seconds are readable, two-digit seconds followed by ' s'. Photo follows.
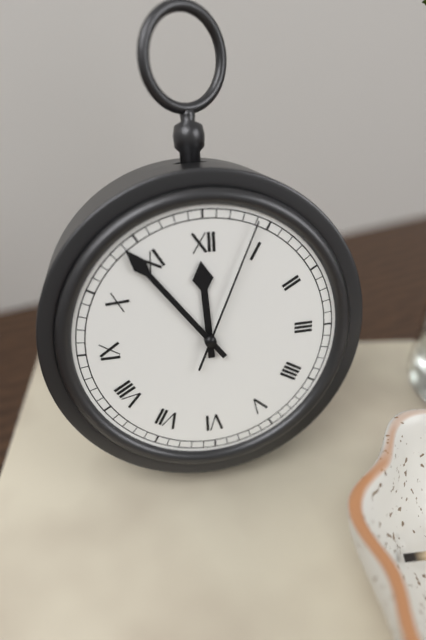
11 h 54 min 04 s
